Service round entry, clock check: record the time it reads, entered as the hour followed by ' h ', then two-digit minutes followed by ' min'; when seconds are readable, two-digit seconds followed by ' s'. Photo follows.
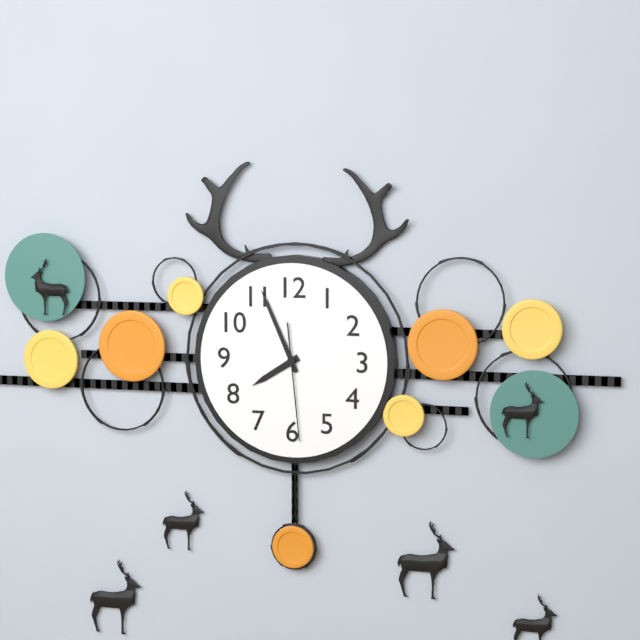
7 h 56 min 29 s
